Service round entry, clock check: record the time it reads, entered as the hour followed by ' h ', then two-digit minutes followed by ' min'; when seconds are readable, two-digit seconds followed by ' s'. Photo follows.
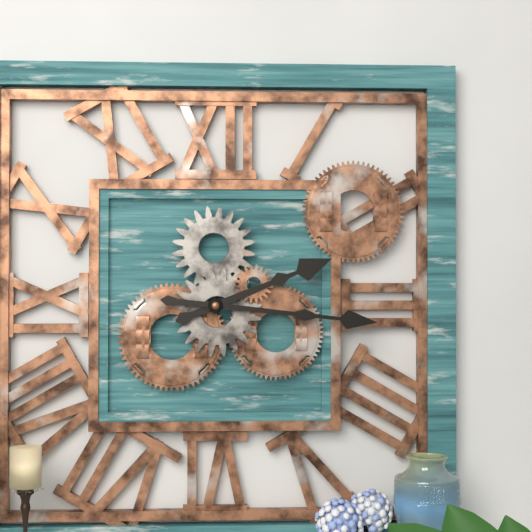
2 h 16 min
